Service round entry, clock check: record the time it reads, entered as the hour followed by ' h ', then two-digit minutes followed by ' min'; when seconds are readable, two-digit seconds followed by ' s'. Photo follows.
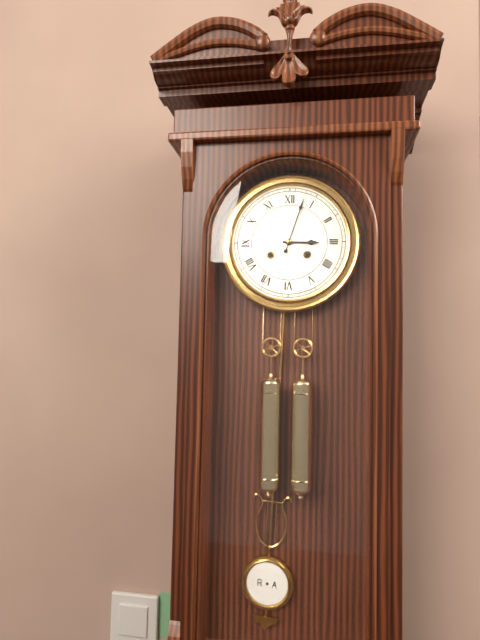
3 h 03 min
